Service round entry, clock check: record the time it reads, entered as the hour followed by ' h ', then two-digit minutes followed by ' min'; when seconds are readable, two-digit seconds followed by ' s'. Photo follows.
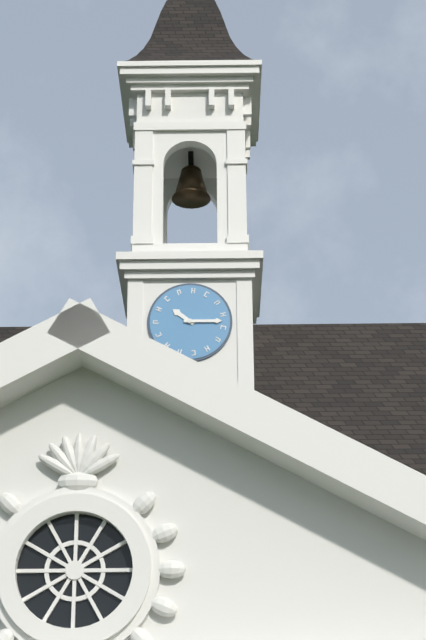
10 h 15 min
